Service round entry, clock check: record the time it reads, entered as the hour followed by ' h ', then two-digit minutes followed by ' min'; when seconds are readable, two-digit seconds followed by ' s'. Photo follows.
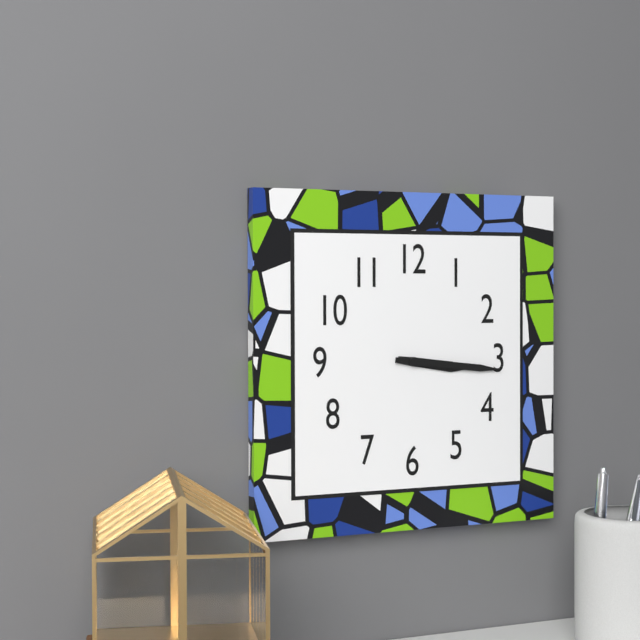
3 h 16 min
